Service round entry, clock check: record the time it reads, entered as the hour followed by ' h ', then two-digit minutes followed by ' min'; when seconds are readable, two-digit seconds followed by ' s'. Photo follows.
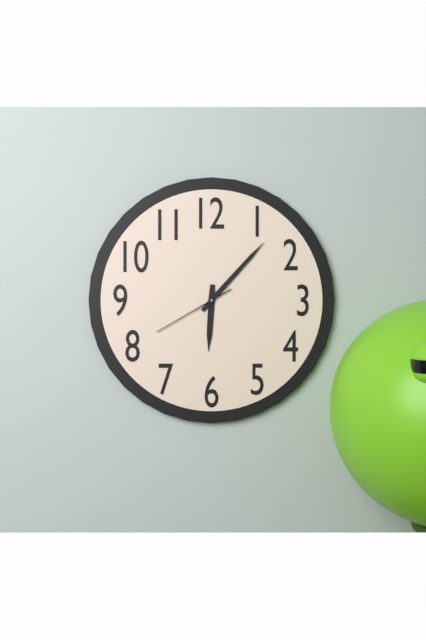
6 h 07 min 40 s
